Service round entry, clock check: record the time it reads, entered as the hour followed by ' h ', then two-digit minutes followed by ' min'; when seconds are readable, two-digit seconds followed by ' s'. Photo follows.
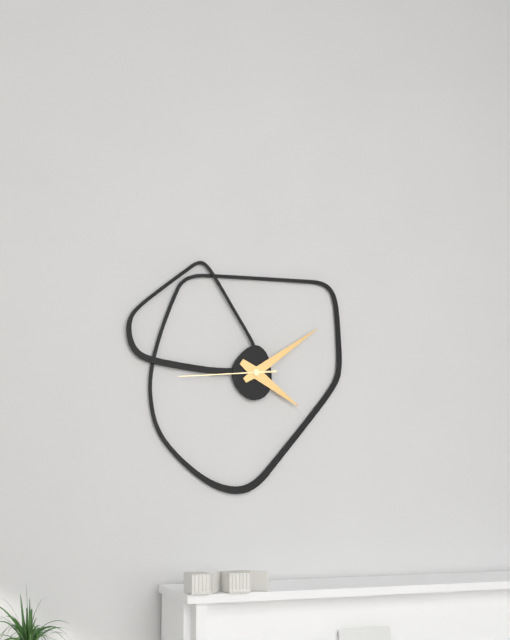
4 h 09 min 44 s
